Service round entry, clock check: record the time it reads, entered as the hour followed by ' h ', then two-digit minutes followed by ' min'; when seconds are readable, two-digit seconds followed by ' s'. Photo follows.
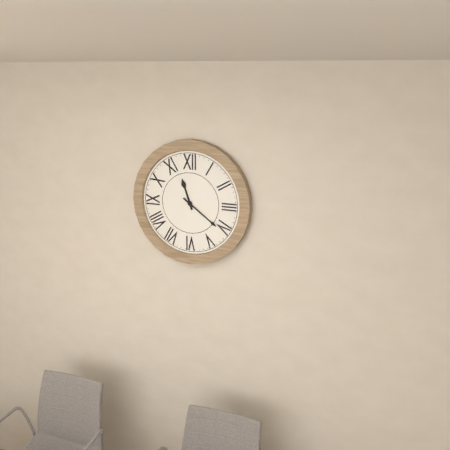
11 h 21 min
